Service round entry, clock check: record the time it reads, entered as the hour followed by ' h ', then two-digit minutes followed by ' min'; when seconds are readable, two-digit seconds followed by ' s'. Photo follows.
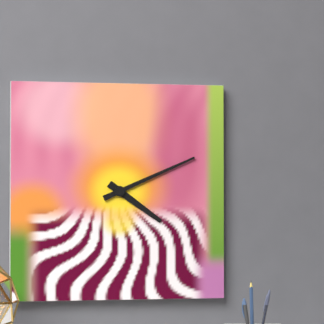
4 h 11 min
